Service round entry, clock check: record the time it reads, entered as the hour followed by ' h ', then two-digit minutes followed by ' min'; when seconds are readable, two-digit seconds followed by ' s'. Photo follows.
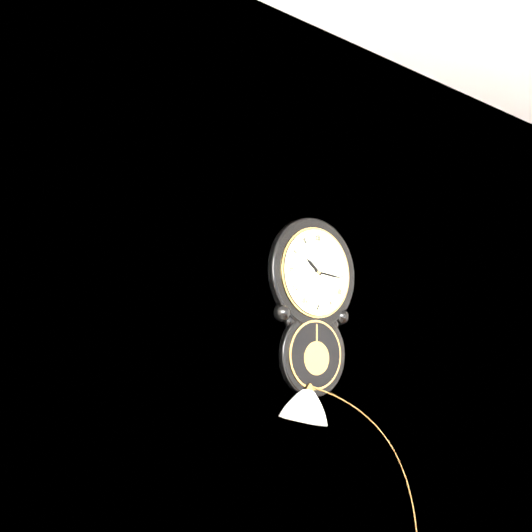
10 h 16 min
